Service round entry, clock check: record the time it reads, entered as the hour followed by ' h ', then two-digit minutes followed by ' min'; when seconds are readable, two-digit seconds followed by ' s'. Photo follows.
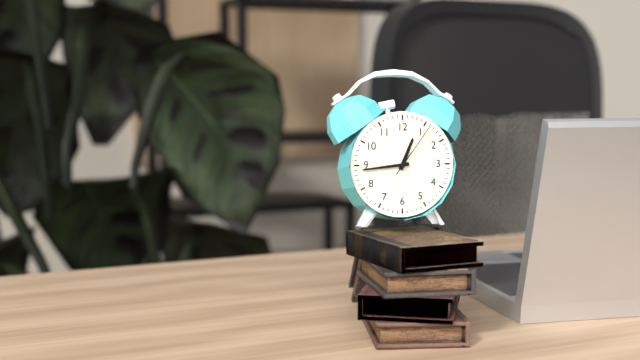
12 h 44 min 06 s
